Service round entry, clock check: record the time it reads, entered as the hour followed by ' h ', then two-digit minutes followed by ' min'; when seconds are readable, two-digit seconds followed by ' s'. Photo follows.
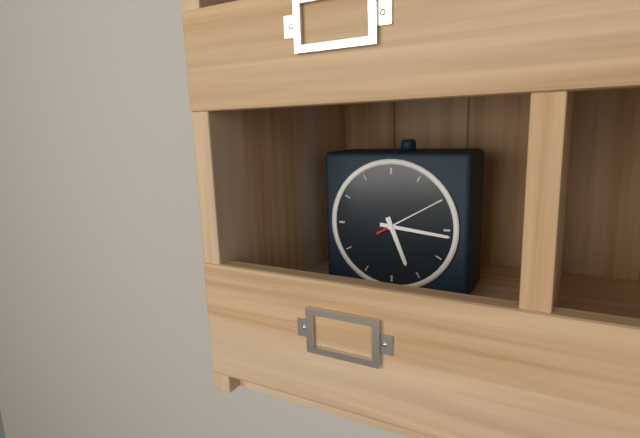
5 h 16 min 10 s
